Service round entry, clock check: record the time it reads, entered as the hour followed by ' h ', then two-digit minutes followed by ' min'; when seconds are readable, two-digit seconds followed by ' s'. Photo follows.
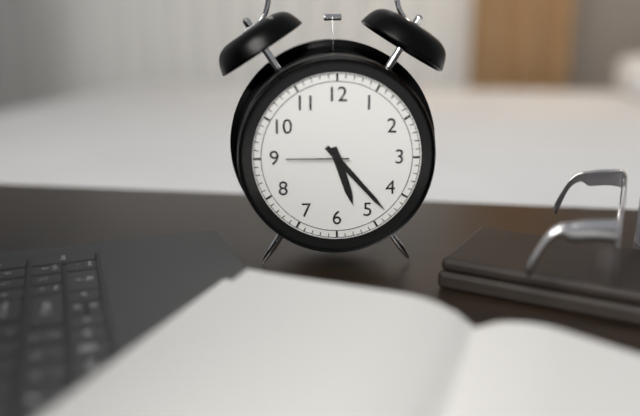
5 h 23 min 45 s
